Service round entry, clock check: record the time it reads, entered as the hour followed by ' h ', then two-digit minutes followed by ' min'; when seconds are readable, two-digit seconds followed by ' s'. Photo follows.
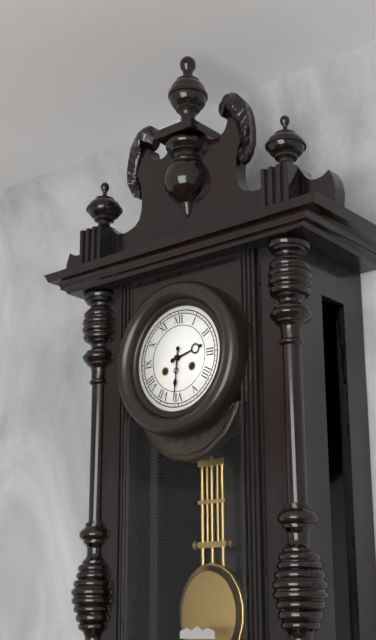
2 h 31 min
